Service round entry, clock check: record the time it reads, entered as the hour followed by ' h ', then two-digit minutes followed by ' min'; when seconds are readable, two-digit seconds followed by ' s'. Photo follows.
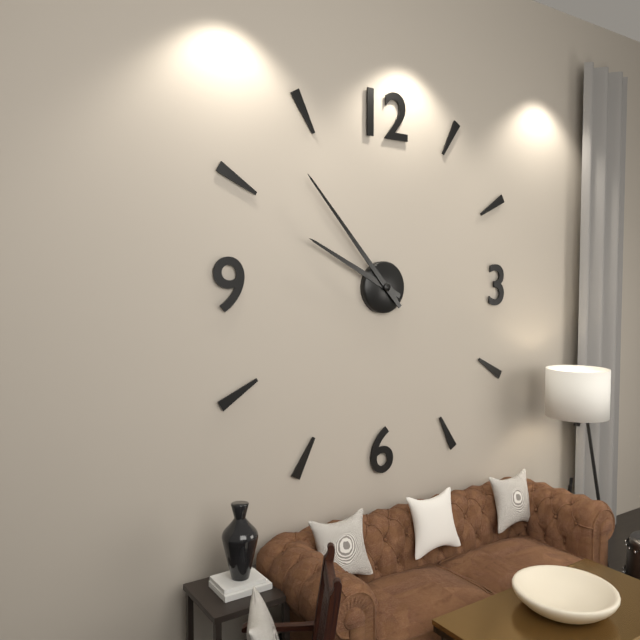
9 h 53 min
